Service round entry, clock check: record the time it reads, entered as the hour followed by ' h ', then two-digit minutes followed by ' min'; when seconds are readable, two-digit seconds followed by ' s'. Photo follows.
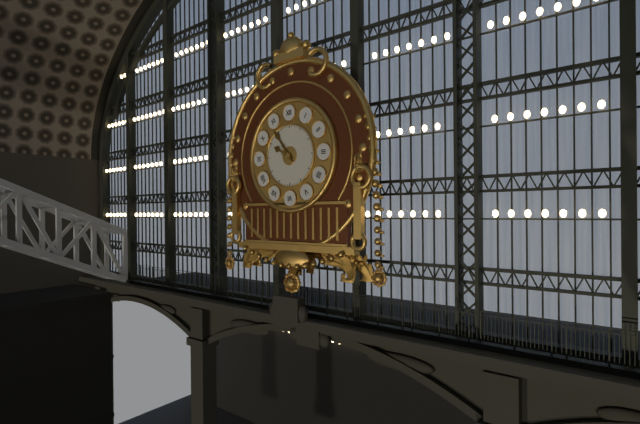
9 h 54 min
